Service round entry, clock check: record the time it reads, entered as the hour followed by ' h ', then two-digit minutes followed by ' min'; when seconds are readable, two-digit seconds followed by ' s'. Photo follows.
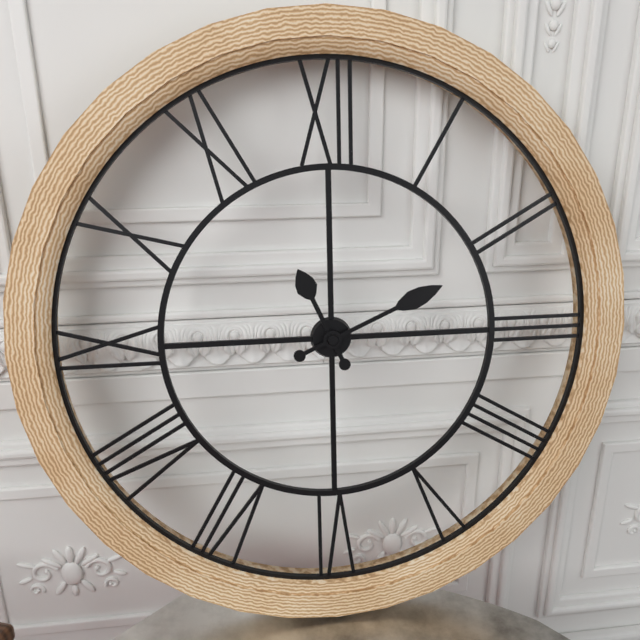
11 h 11 min
